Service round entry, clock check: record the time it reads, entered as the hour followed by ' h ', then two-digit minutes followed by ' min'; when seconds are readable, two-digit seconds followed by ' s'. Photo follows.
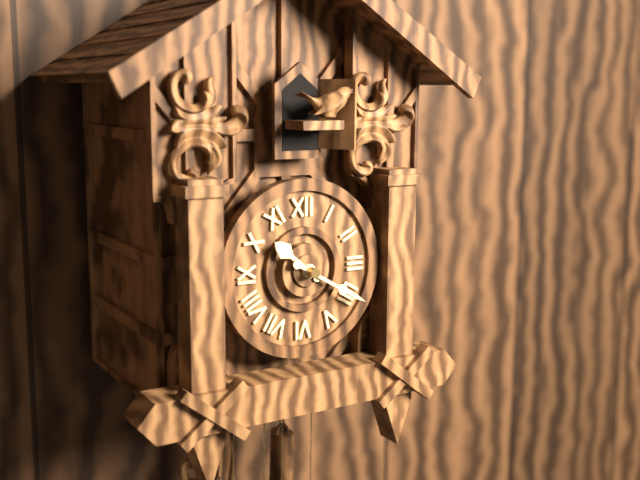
10 h 20 min
